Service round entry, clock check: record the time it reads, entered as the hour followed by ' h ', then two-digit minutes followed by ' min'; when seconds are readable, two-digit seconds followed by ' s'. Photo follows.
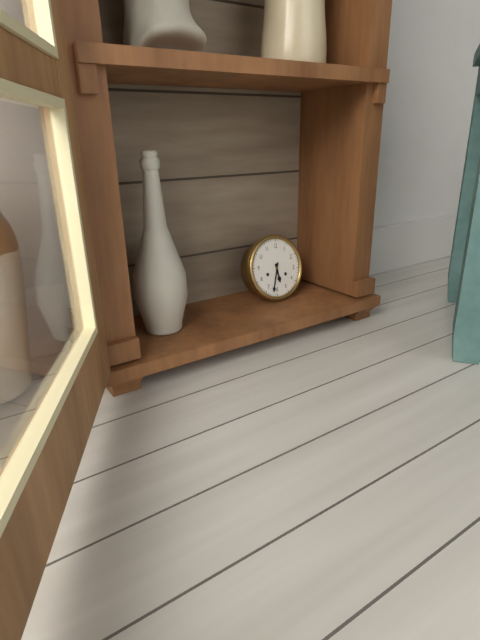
5 h 32 min
